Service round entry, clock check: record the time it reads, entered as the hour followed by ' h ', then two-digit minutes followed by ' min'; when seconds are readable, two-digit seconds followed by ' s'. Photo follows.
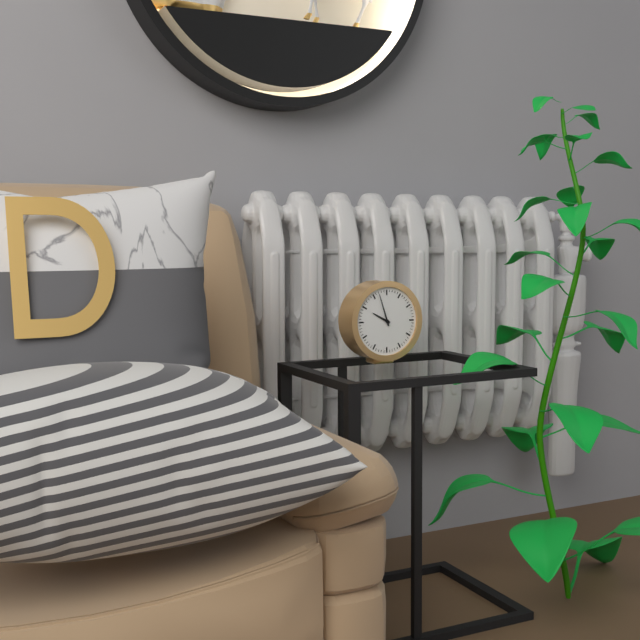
9 h 57 min
